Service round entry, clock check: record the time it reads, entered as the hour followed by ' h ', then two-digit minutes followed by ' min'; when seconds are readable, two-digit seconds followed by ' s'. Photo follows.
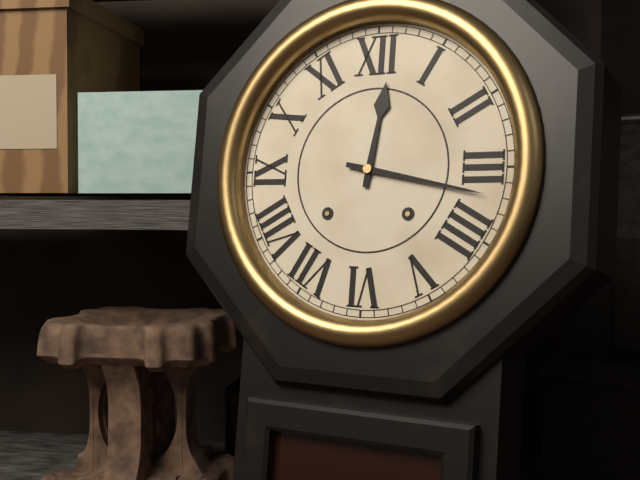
12 h 17 min
